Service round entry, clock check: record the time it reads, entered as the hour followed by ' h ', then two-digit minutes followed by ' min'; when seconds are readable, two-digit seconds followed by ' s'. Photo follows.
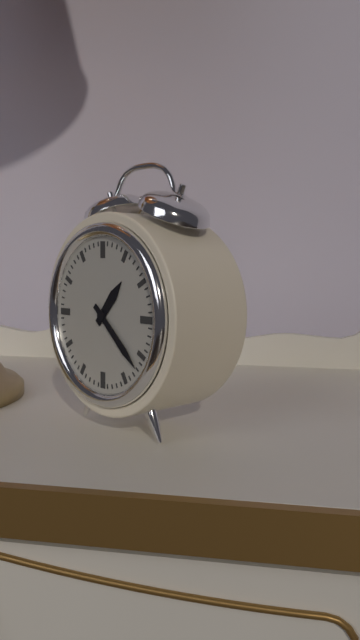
1 h 22 min
